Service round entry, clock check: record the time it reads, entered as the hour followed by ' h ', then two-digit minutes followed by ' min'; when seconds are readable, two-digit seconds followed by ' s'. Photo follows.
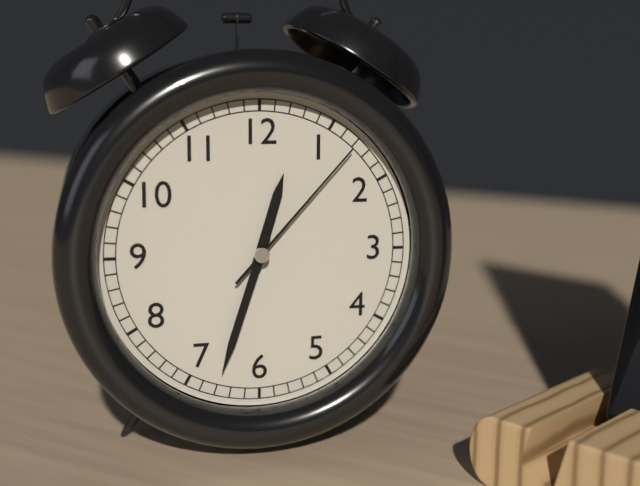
12 h 33 min 07 s
